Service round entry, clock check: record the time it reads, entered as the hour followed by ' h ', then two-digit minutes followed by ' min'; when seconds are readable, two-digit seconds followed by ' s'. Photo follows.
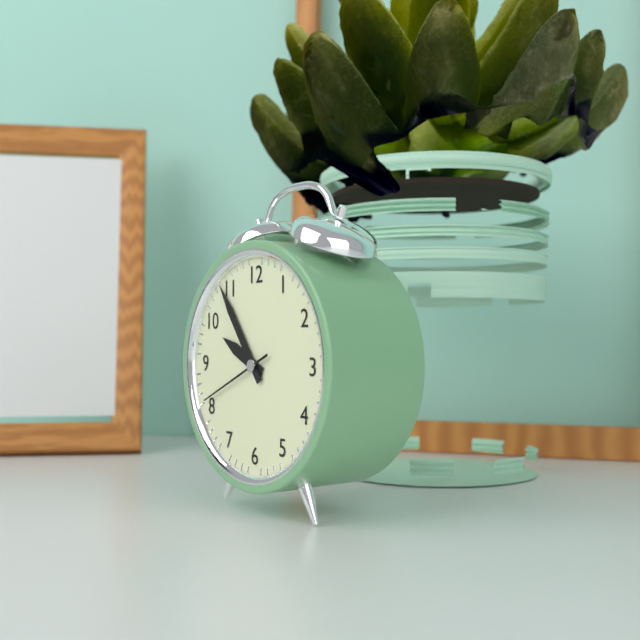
9 h 54 min 41 s
